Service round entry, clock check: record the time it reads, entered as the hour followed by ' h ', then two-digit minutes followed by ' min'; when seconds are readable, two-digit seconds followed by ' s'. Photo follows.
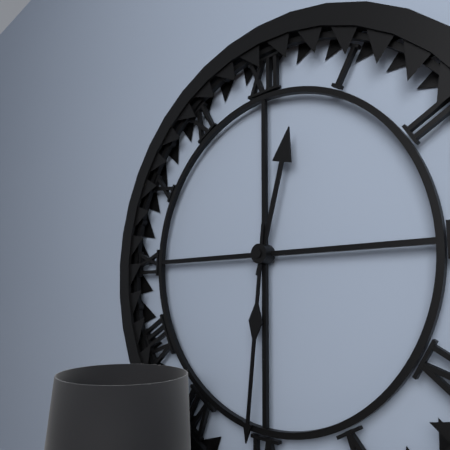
12 h 31 min
